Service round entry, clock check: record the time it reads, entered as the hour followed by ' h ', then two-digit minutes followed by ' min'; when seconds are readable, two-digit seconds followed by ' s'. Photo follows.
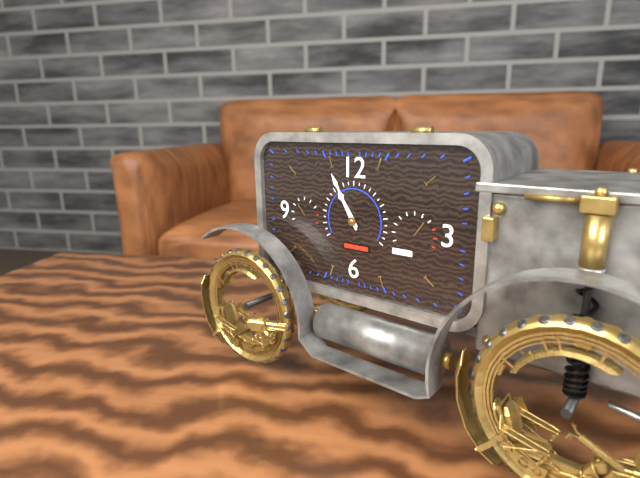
10 h 55 min
